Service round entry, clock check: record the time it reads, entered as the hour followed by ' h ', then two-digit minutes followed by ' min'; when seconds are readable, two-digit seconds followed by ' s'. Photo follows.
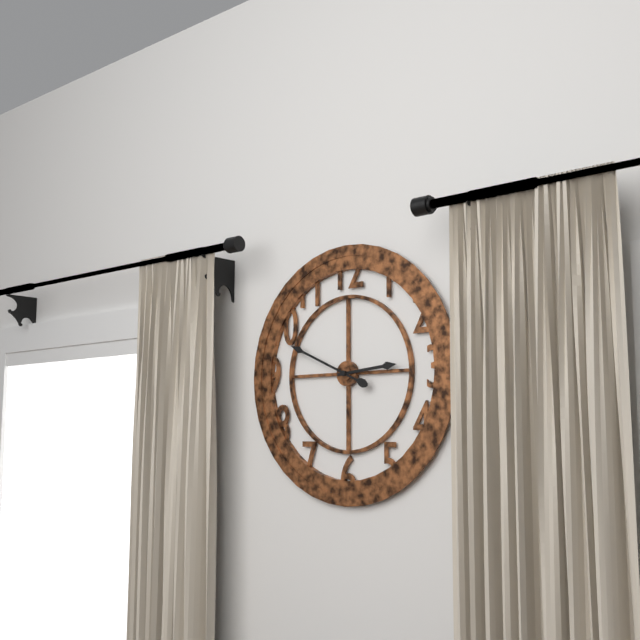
2 h 49 min
